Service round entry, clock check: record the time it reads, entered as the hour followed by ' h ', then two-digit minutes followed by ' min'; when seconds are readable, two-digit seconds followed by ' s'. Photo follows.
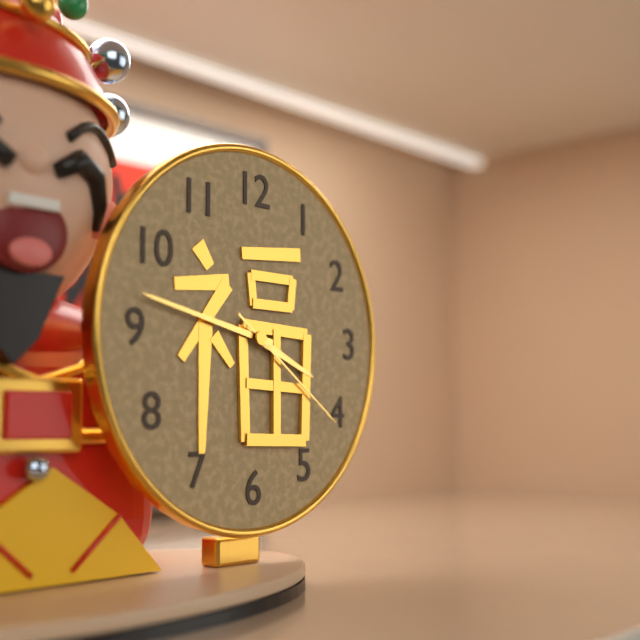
3 h 47 min 21 s
